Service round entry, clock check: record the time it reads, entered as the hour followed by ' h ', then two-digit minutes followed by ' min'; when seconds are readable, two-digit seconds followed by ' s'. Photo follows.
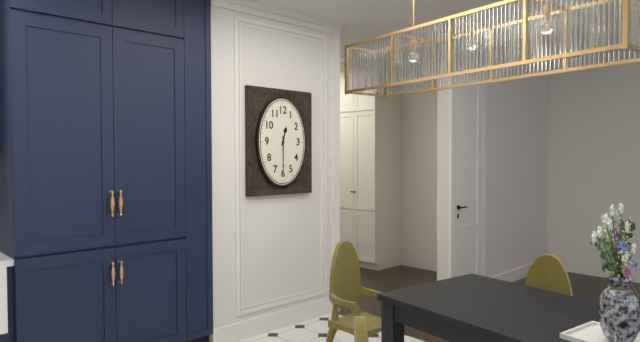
12 h 30 min
